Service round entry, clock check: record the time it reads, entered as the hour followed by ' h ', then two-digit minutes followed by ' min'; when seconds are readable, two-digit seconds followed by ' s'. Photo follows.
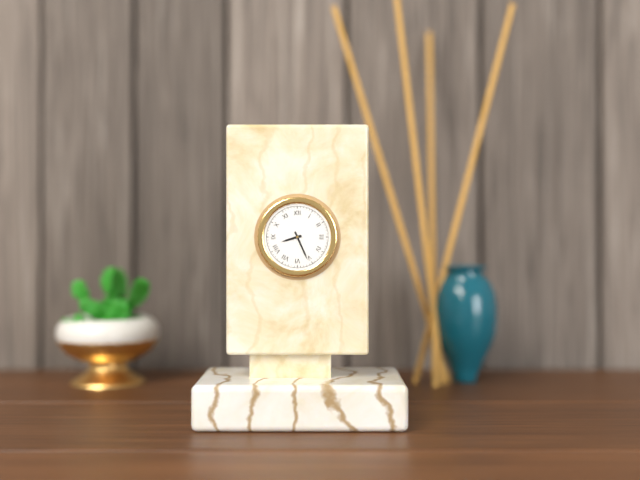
8 h 26 min
